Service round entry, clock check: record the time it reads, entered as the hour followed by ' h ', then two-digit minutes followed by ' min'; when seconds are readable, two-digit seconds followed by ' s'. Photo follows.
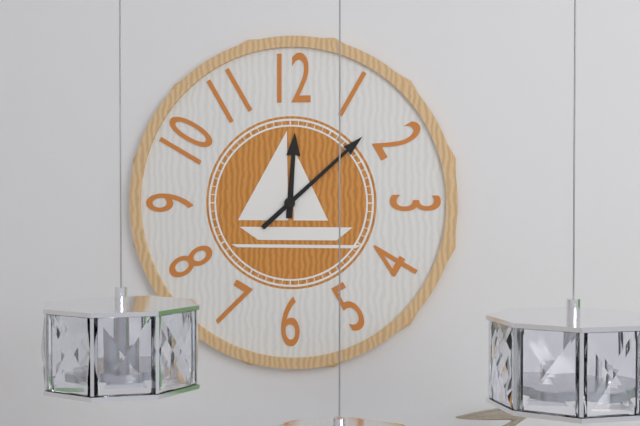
12 h 08 min
